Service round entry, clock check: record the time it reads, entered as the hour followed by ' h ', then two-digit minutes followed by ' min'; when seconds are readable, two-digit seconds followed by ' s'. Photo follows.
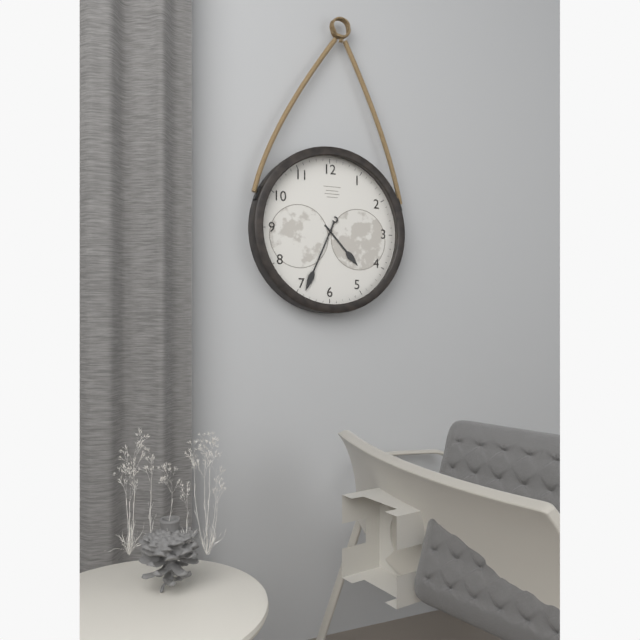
4 h 34 min
